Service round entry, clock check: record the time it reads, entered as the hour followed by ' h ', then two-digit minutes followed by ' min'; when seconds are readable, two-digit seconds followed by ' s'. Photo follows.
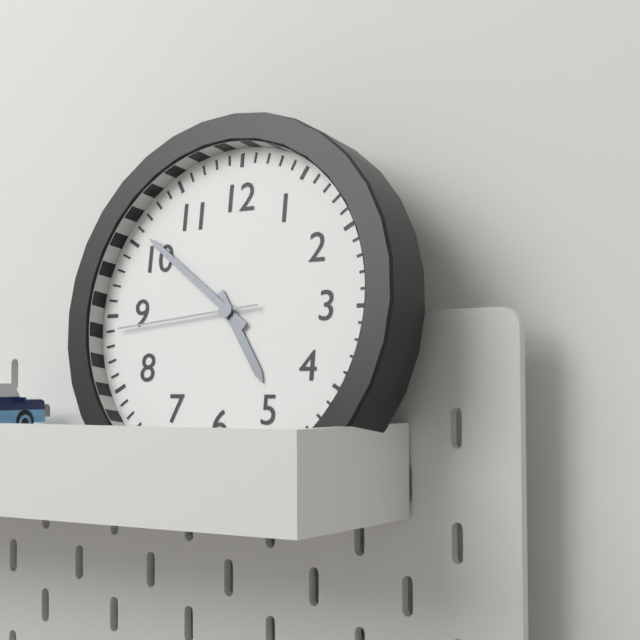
4 h 51 min 44 s
